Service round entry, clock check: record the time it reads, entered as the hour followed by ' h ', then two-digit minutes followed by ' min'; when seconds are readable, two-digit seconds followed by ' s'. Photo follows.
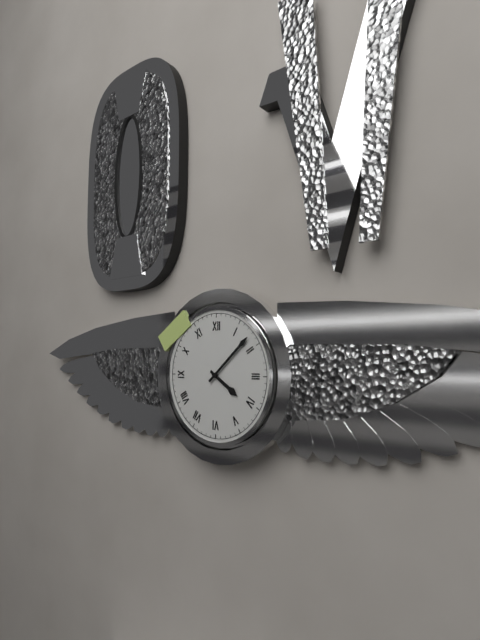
4 h 08 min
